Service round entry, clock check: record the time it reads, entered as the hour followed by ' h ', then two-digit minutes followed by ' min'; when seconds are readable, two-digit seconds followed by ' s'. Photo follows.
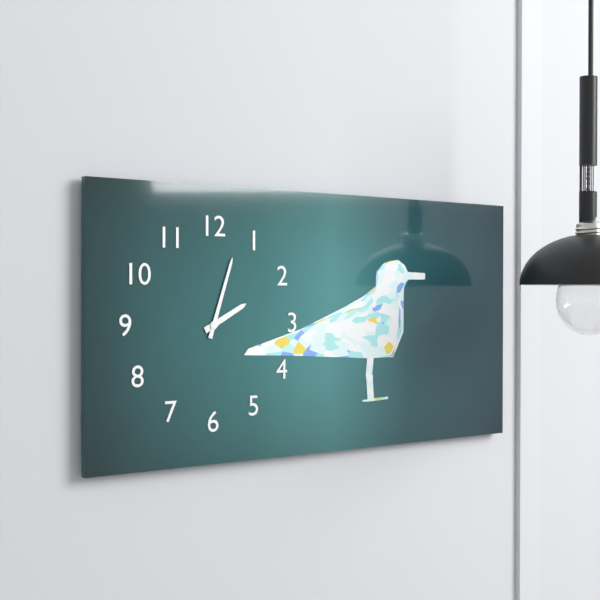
2 h 03 min
